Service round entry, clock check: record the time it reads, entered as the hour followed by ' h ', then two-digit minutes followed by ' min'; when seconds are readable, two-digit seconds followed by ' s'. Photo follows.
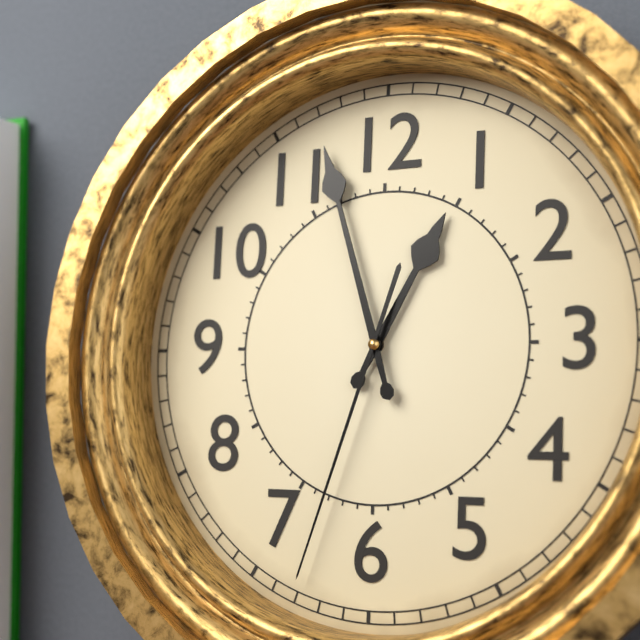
12 h 57 min 33 s
